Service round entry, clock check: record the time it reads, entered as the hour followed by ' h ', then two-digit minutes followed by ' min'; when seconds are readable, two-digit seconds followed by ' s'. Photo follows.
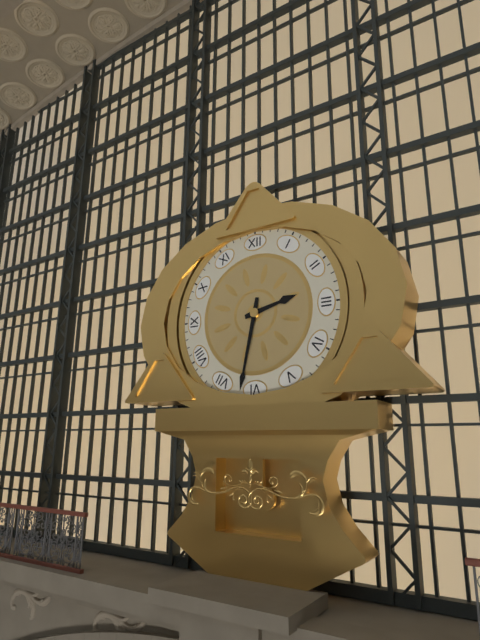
2 h 32 min
